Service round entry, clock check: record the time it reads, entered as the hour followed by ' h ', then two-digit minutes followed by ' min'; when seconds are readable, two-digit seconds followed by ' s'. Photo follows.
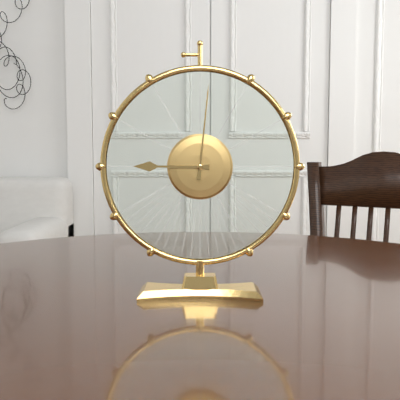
9 h 01 min
